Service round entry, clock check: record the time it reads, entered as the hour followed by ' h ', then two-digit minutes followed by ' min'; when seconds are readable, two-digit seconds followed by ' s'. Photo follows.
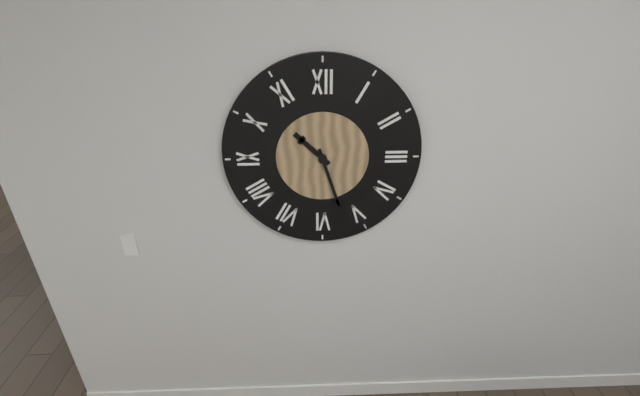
10 h 27 min
